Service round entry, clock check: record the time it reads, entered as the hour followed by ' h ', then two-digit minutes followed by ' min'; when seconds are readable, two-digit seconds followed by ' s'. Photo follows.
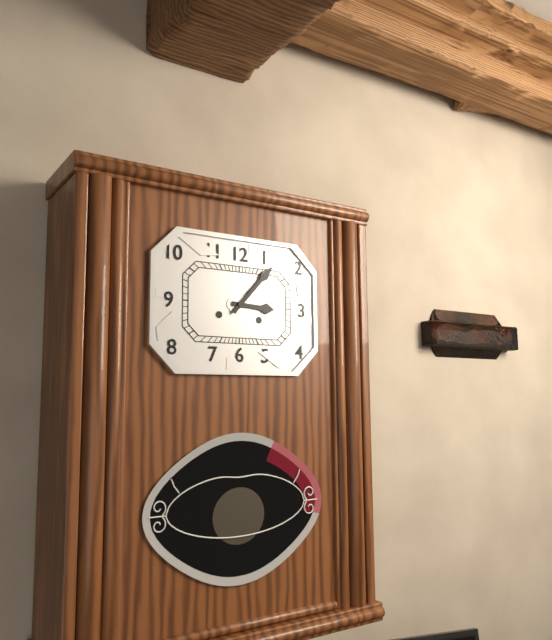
3 h 07 min
